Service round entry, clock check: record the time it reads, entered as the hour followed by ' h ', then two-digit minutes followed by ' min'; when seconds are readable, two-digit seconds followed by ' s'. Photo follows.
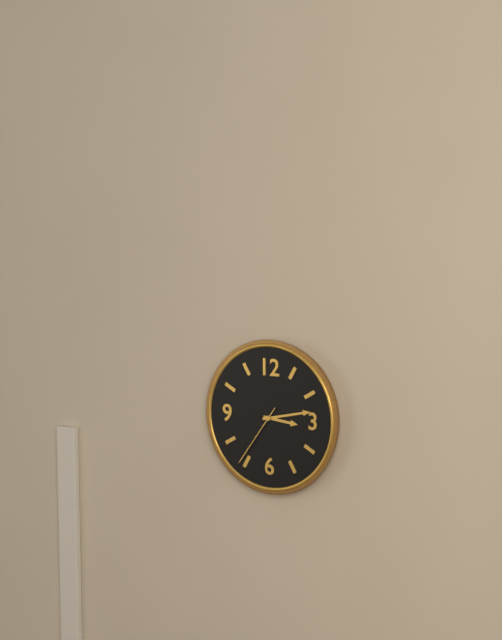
3 h 13 min 36 s
